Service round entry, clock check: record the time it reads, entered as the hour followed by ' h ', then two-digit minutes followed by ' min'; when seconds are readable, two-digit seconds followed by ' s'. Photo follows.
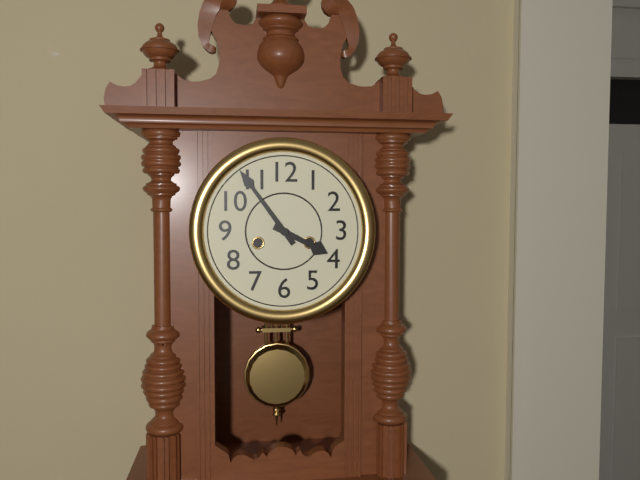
3 h 54 min
